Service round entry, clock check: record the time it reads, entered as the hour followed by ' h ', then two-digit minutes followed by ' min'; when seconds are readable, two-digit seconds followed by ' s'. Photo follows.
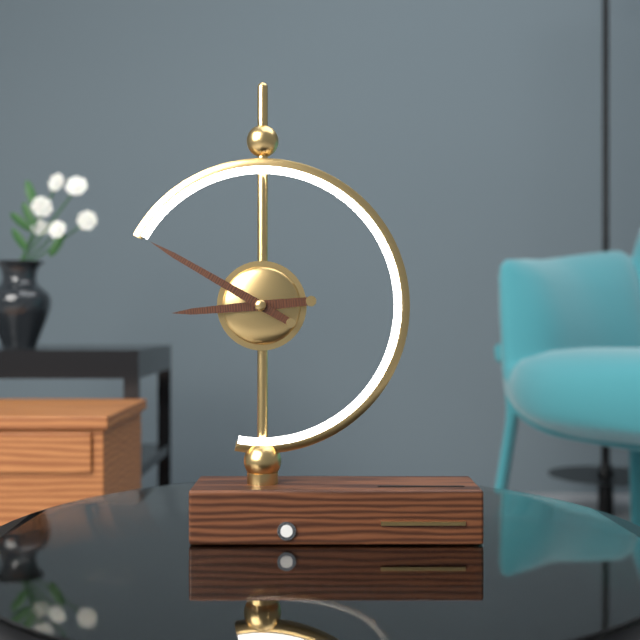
8 h 50 min
